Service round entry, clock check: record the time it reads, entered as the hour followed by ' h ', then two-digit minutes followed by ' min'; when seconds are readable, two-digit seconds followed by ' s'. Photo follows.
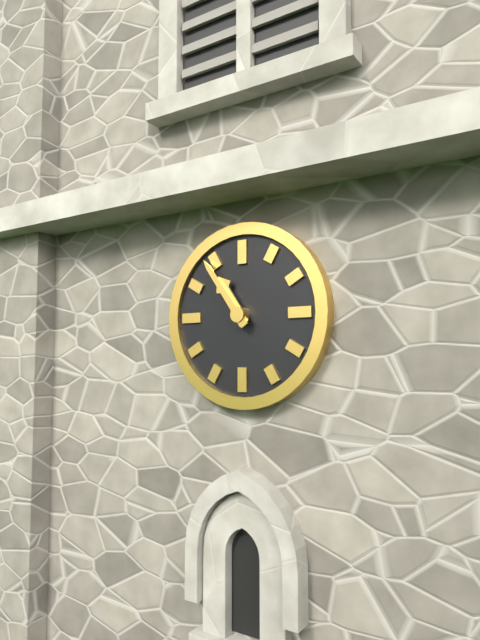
10 h 54 min
